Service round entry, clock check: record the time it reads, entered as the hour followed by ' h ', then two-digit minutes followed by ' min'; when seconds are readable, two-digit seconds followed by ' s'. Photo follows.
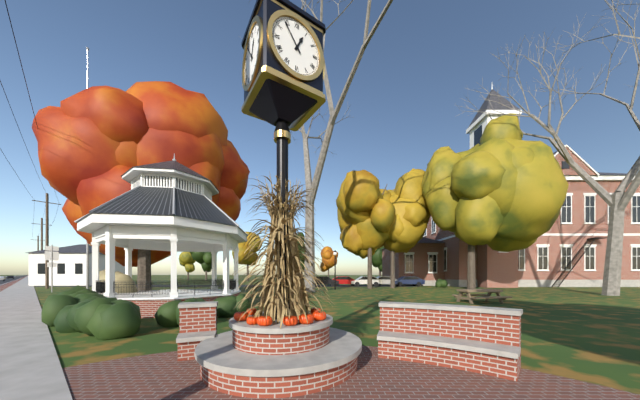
12 h 54 min
